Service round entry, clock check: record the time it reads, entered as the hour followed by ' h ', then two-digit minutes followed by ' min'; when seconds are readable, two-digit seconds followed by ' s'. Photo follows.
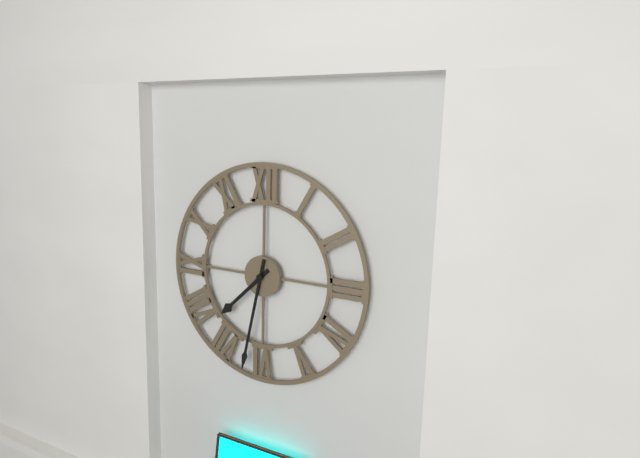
7 h 32 min
